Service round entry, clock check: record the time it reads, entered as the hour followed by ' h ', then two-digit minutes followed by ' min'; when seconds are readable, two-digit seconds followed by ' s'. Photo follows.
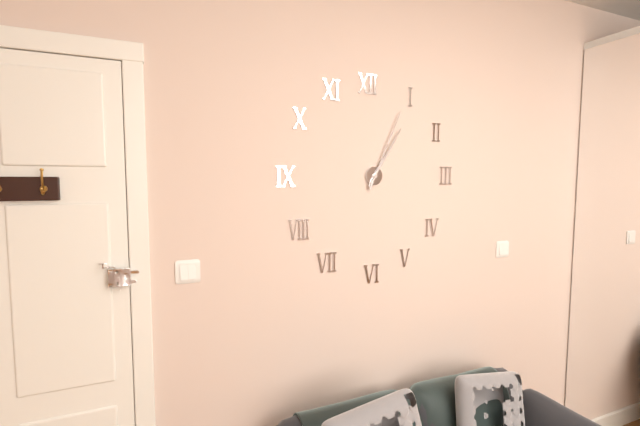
1 h 04 min
